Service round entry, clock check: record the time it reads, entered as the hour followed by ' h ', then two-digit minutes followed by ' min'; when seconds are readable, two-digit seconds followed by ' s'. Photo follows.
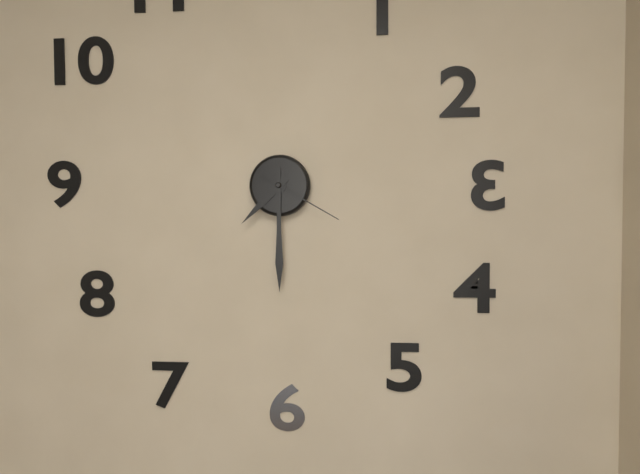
7 h 30 min 20 s
